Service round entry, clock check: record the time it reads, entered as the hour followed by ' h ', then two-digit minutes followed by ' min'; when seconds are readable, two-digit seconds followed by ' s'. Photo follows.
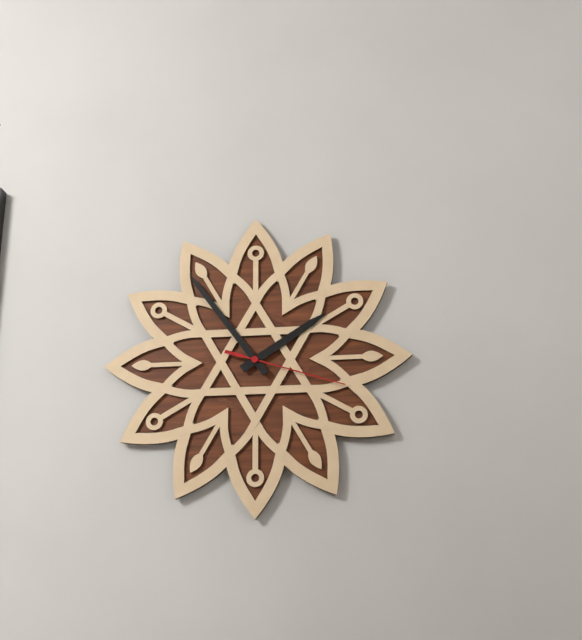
1 h 54 min 18 s
